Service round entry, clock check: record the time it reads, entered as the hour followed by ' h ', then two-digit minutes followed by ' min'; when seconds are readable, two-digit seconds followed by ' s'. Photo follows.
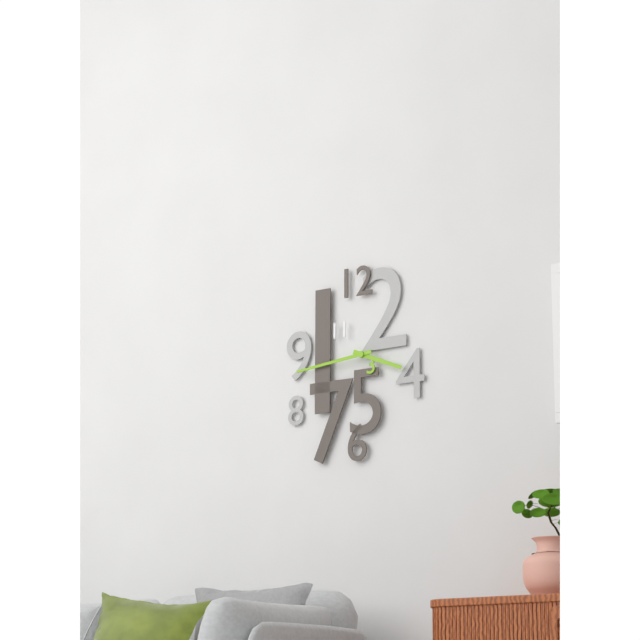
3 h 44 min
